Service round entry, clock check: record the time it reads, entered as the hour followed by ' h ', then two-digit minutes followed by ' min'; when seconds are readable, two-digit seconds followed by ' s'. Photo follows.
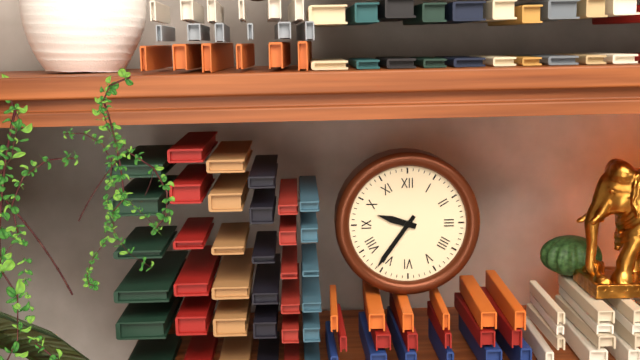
9 h 36 min
